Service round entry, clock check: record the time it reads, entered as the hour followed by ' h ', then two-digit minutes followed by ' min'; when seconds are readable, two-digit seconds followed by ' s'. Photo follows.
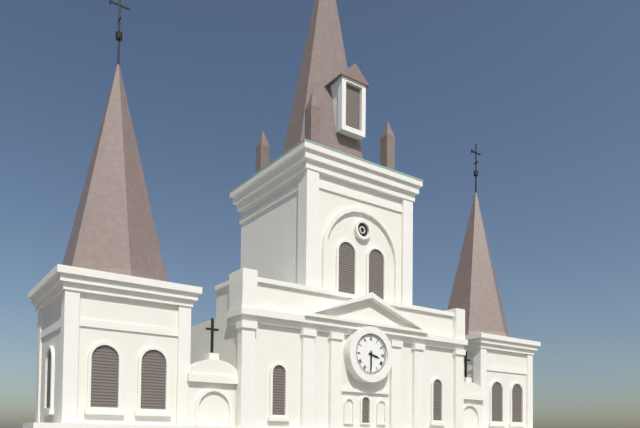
3 h 30 min
